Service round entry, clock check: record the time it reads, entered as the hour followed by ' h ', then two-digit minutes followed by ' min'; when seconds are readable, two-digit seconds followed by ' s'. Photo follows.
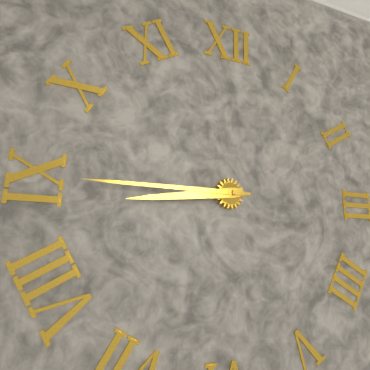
8 h 45 min
